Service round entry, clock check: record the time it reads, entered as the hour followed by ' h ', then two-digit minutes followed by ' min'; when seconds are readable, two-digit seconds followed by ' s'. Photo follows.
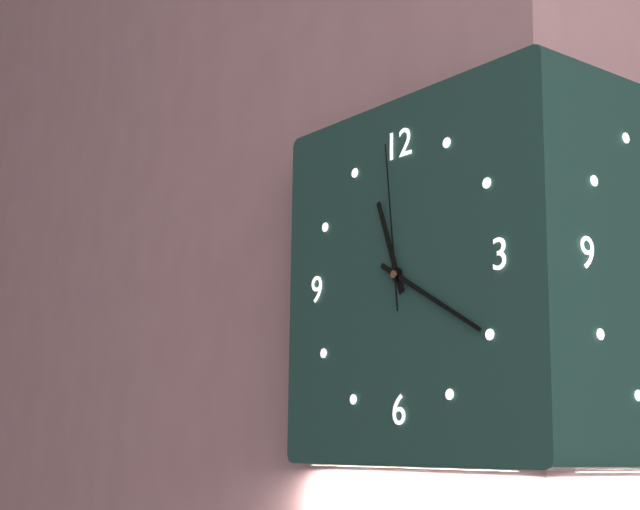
11 h 20 min 59 s
